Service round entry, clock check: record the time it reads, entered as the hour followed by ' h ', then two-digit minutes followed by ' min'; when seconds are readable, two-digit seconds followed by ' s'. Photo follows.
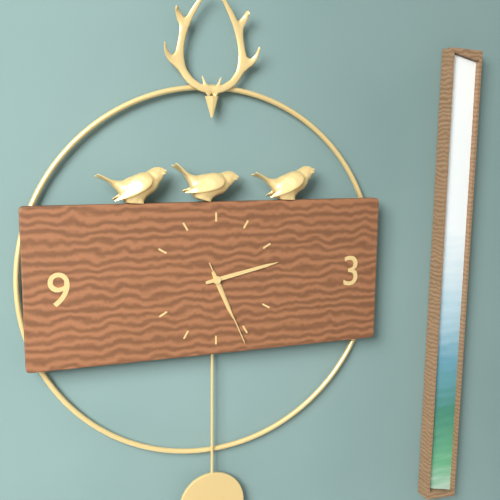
5 h 13 min 26 s
